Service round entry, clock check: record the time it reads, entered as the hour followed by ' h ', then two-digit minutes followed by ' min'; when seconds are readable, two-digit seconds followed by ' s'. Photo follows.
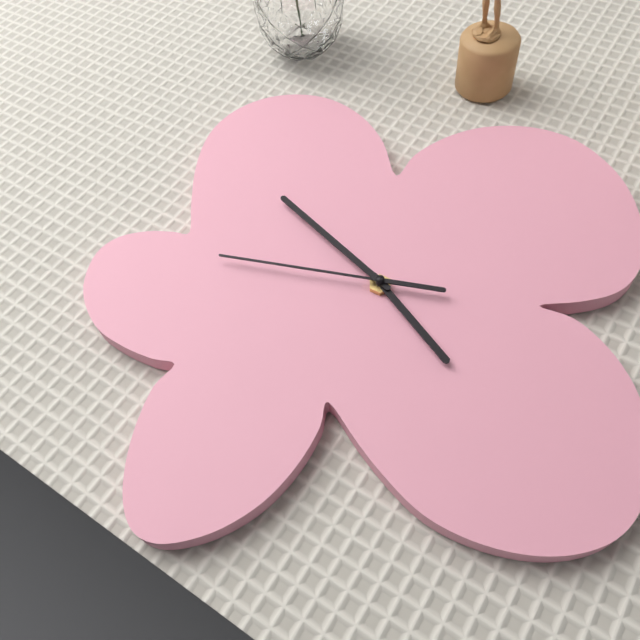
4 h 53 min 47 s
